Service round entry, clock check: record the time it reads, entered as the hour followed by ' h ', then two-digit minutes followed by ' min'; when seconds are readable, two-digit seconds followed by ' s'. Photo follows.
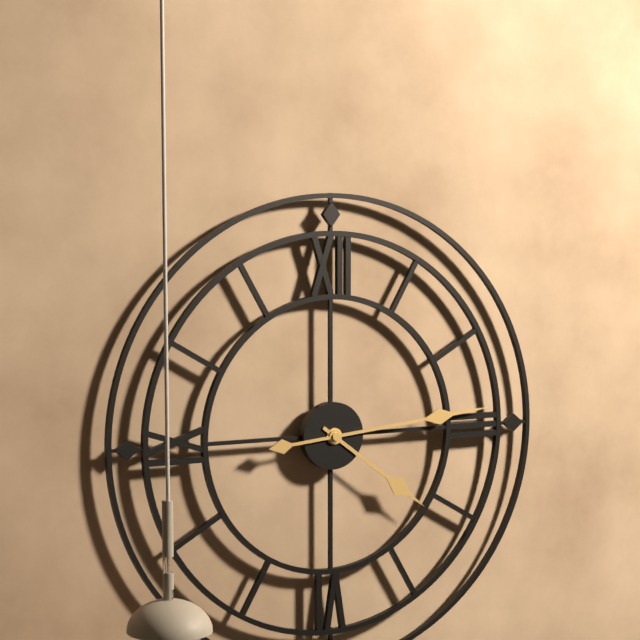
4 h 14 min
